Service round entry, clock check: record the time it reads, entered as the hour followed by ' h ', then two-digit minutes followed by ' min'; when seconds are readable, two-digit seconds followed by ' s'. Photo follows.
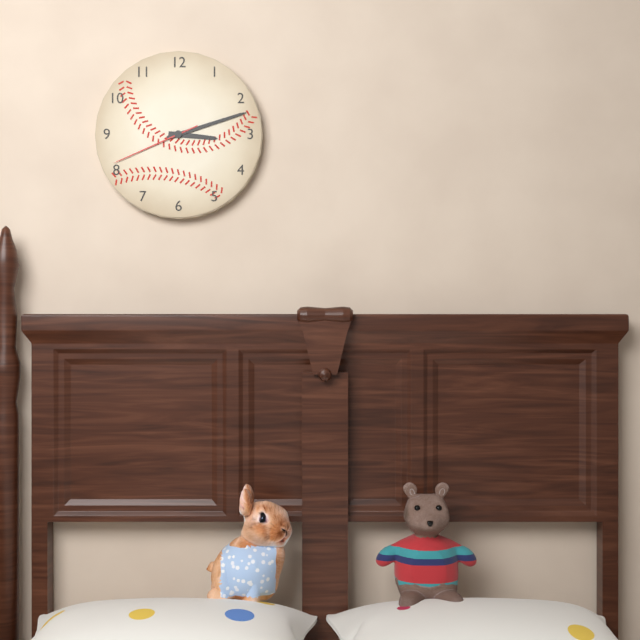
3 h 12 min 41 s
